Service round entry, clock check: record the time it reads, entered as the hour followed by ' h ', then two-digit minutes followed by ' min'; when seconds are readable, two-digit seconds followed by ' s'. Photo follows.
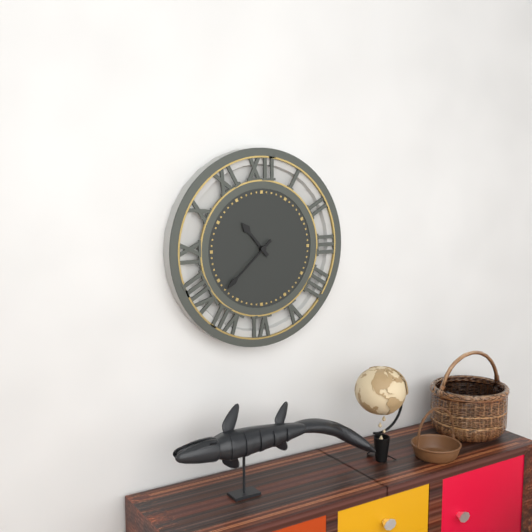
10 h 38 min
